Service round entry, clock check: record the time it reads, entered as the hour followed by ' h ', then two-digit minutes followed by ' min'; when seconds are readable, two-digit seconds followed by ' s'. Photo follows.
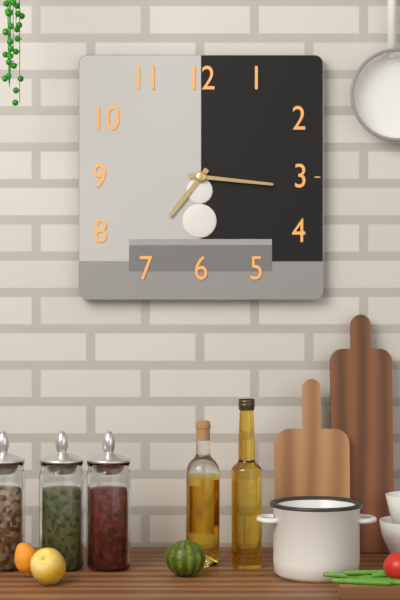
7 h 16 min
